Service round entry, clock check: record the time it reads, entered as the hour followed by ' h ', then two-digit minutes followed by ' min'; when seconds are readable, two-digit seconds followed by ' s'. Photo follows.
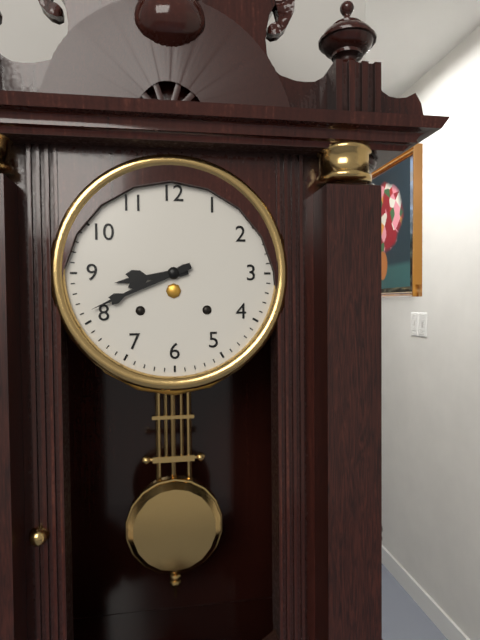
8 h 41 min
